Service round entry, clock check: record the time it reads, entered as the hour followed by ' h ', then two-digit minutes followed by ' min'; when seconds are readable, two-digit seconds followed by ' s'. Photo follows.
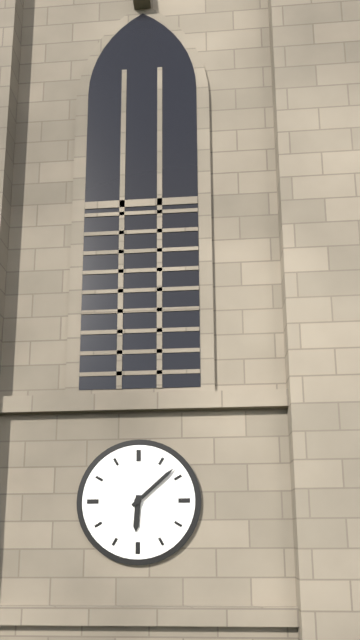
6 h 08 min
